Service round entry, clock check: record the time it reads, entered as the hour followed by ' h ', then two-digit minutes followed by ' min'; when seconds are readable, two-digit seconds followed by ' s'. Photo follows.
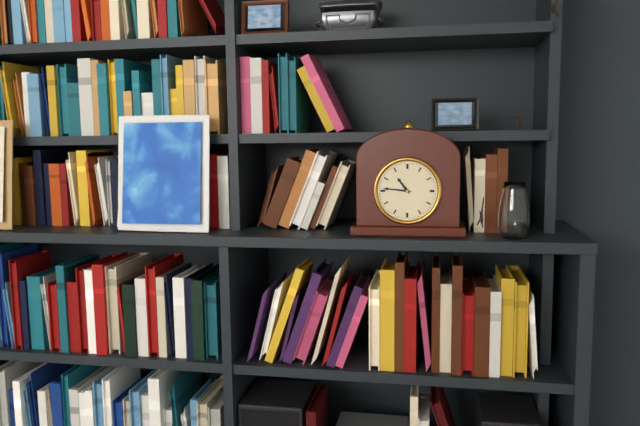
10 h 46 min
